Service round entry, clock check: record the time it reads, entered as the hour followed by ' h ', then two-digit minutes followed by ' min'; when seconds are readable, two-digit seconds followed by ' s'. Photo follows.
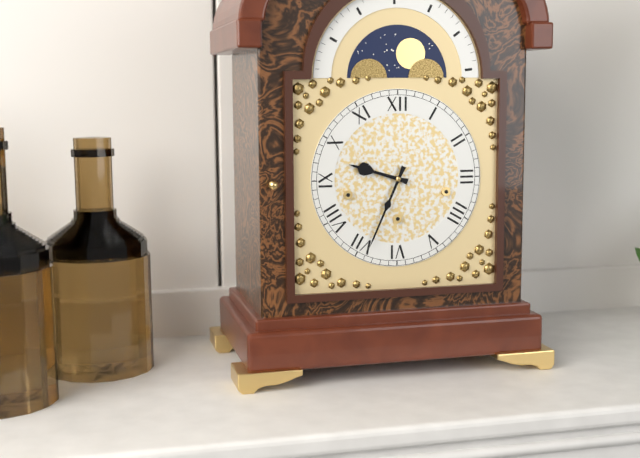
9 h 34 min
